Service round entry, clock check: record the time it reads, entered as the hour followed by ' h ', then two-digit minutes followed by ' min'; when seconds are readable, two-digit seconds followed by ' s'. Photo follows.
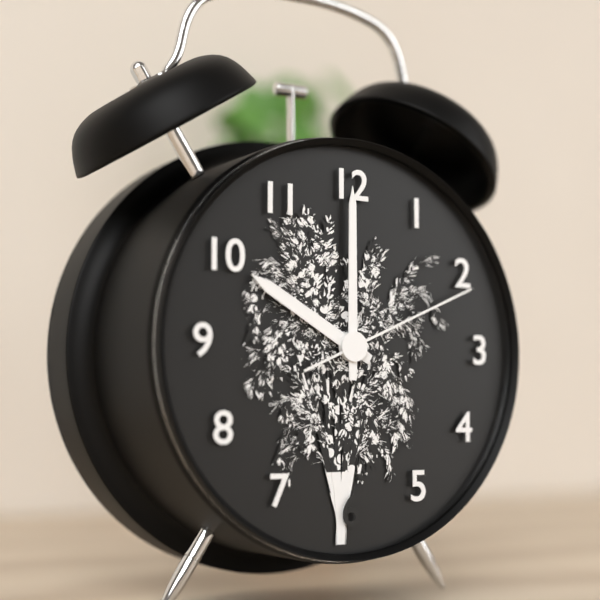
10 h 00 min 11 s
